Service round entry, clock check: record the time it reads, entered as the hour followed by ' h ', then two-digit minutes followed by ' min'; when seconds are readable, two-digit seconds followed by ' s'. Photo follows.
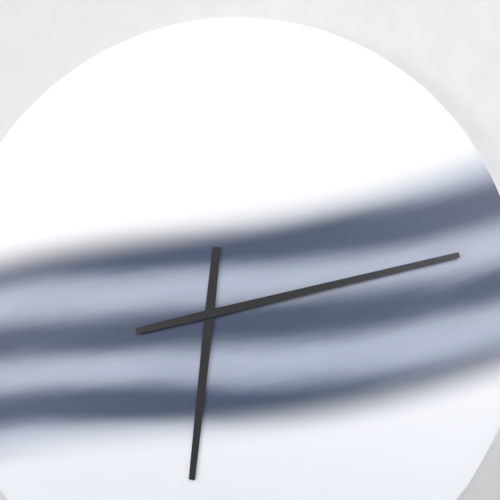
6 h 13 min
